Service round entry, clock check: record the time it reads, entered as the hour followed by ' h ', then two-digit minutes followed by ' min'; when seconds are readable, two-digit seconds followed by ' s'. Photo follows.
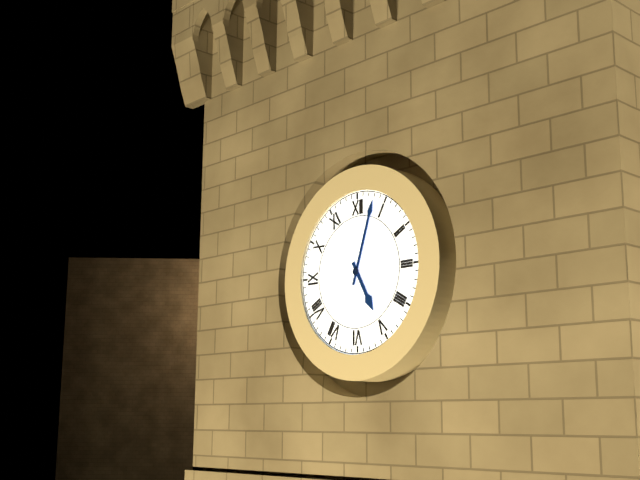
5 h 03 min
